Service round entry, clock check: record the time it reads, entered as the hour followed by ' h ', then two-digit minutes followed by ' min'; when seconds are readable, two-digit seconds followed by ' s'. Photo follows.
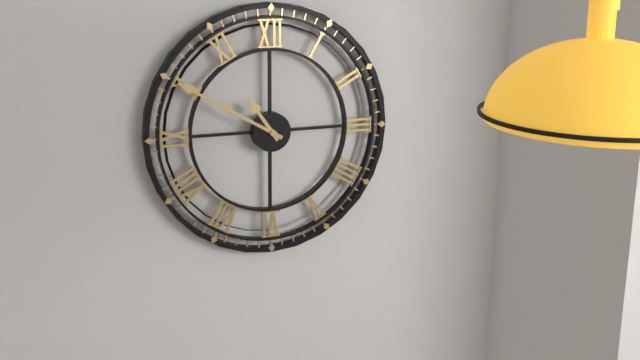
10 h 50 min
